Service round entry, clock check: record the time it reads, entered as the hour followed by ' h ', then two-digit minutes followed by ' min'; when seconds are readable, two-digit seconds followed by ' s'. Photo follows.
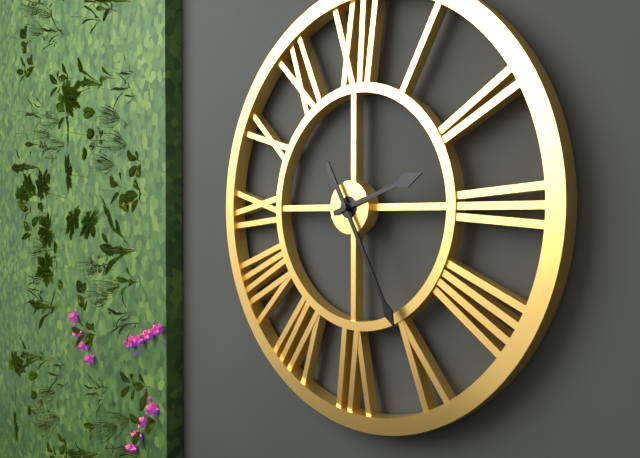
2 h 25 min
